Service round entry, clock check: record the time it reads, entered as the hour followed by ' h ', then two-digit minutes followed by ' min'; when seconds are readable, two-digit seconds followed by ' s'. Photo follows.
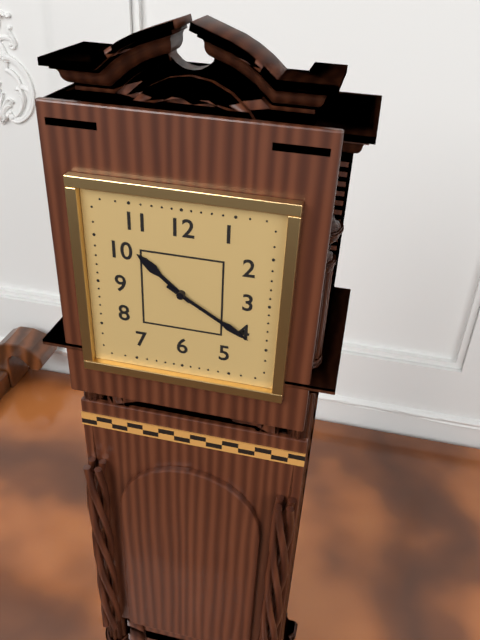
10 h 20 min
